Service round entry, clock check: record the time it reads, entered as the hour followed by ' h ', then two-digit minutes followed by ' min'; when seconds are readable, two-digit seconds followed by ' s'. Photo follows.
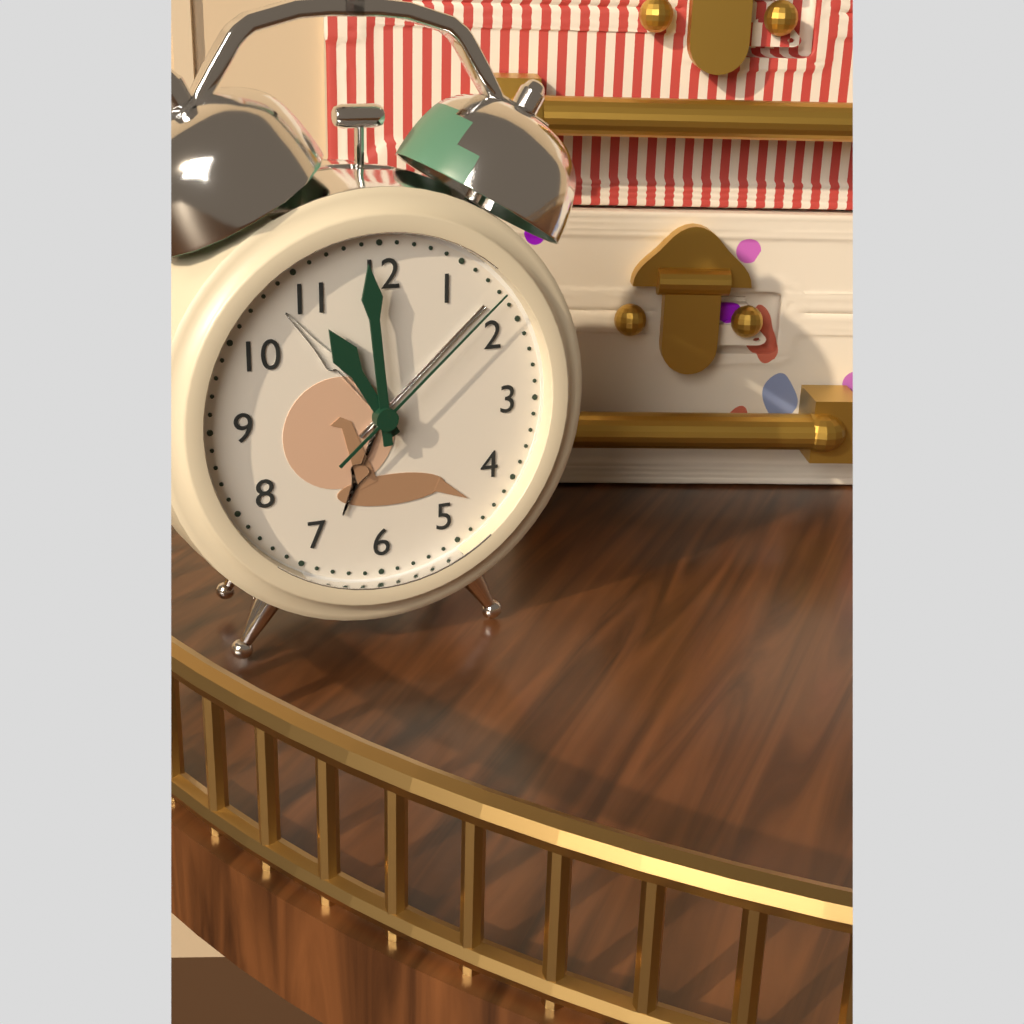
10 h 59 min 08 s
